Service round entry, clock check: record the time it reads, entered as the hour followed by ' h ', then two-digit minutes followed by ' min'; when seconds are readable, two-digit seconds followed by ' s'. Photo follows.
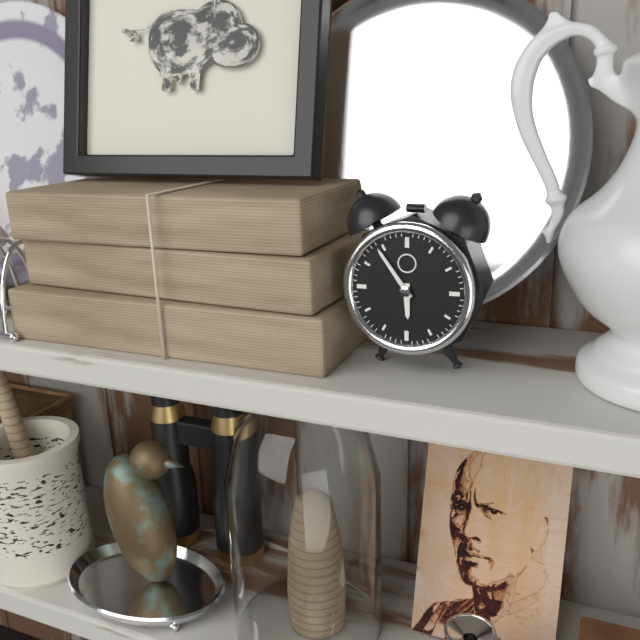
5 h 54 min
